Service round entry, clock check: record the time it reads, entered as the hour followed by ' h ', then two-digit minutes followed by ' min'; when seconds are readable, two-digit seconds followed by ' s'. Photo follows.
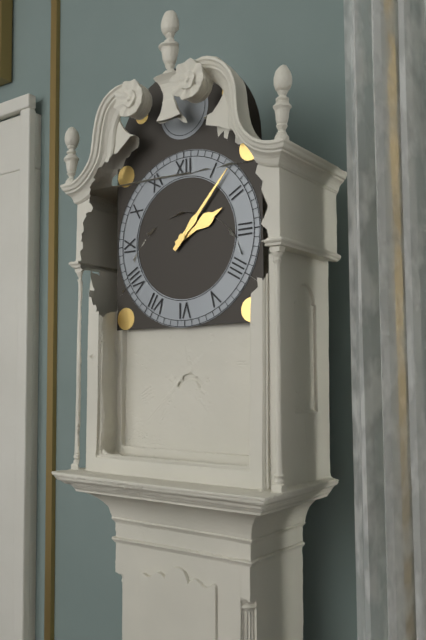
2 h 07 min
